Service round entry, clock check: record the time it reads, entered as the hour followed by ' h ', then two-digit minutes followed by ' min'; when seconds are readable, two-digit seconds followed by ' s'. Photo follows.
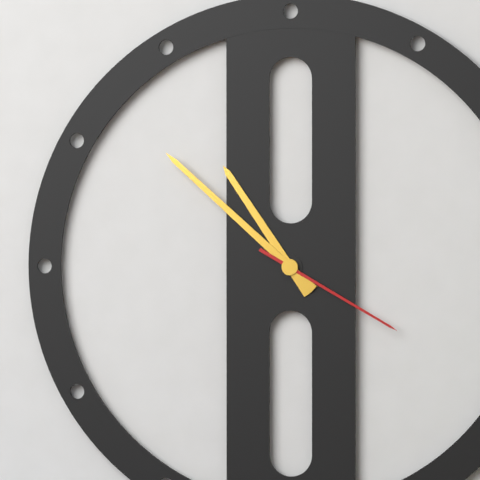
10 h 52 min 20 s
